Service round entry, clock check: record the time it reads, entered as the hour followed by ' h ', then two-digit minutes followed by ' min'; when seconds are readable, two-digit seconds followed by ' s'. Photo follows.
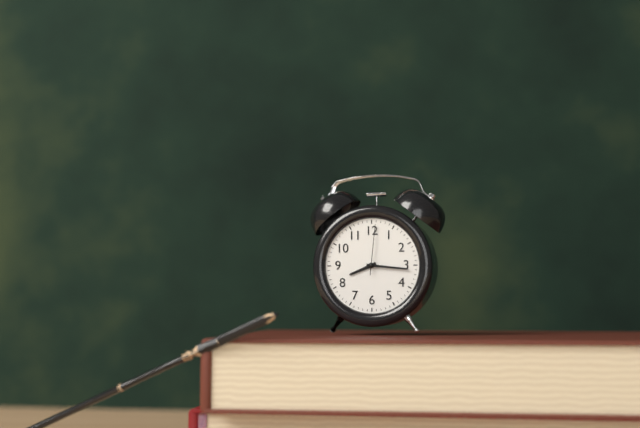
8 h 16 min 01 s
